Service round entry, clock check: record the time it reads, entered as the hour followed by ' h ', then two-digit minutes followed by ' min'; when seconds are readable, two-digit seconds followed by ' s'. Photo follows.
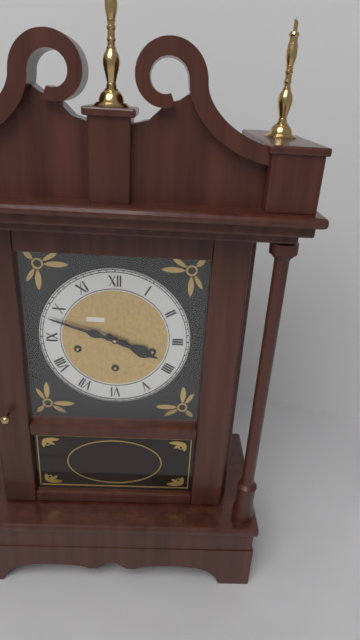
3 h 48 min
